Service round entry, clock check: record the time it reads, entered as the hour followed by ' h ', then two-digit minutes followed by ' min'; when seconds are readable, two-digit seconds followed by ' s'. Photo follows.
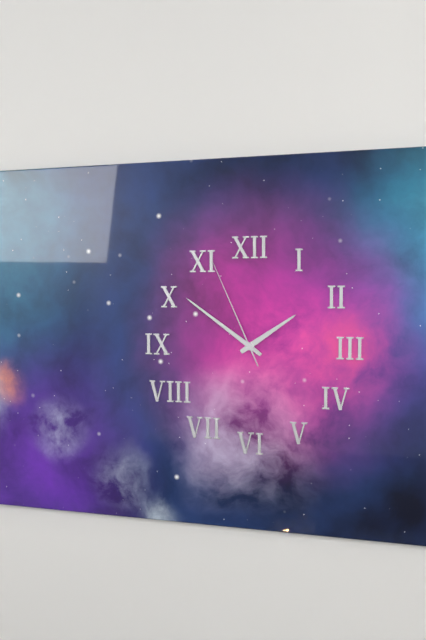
1 h 51 min 56 s
